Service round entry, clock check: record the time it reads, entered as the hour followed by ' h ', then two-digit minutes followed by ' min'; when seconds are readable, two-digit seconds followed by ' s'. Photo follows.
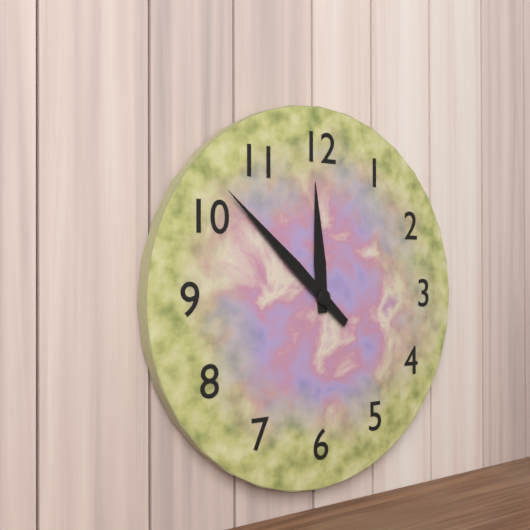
11 h 52 min
